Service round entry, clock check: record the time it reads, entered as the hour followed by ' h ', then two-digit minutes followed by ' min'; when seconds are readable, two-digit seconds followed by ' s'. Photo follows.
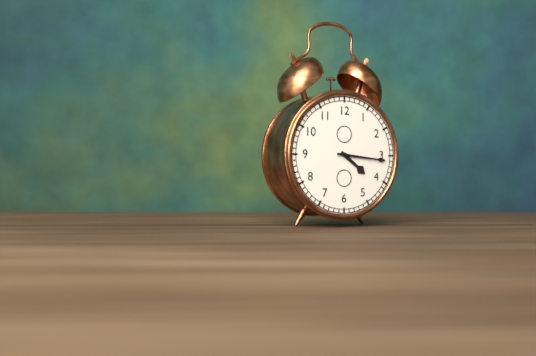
4 h 16 min
